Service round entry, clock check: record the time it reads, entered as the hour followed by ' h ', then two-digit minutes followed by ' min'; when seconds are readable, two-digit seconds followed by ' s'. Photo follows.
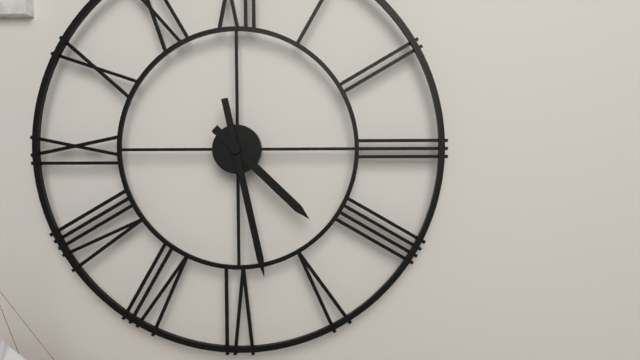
4 h 28 min
